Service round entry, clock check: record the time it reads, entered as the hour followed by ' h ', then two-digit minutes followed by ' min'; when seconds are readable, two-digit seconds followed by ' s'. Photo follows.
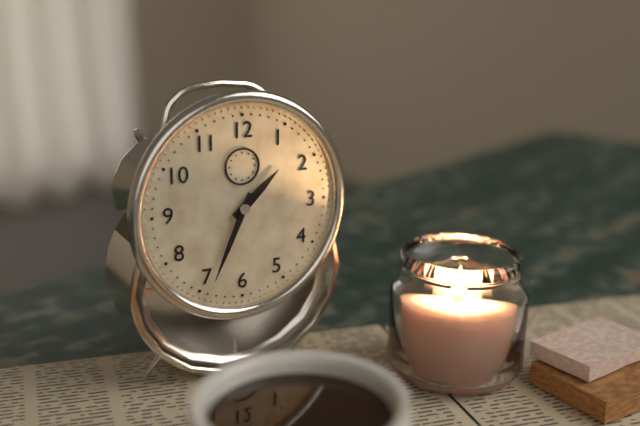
1 h 34 min
